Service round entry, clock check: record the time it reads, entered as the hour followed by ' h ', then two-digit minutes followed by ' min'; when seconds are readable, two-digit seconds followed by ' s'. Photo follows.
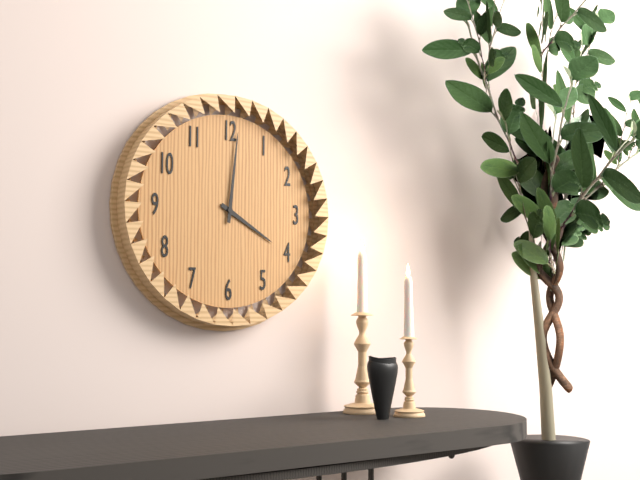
4 h 01 min
